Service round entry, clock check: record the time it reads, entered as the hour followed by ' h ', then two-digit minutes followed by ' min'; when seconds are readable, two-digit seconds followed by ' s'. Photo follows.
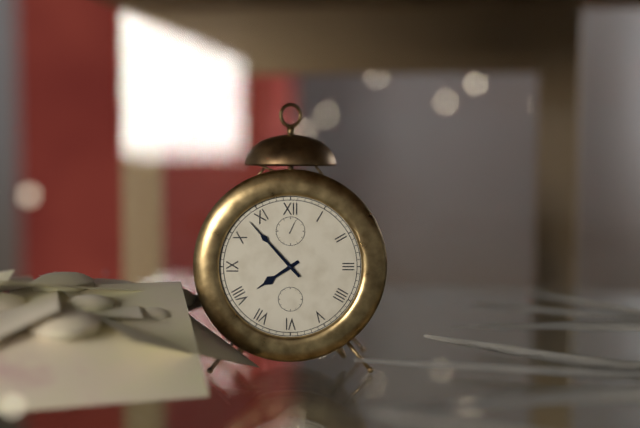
7 h 53 min
